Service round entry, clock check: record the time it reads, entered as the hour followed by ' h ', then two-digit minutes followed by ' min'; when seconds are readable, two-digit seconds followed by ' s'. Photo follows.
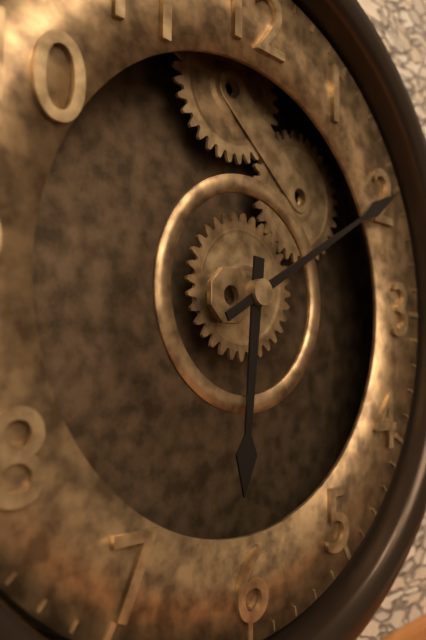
6 h 10 min
